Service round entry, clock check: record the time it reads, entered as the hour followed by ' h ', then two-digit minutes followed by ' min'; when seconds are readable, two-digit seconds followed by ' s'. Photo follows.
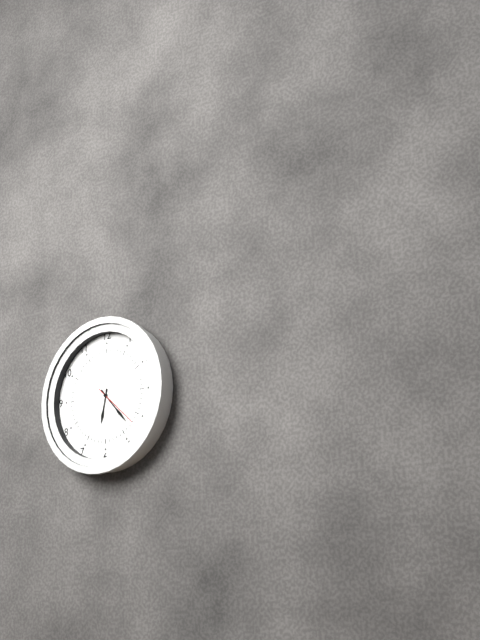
6 h 23 min
